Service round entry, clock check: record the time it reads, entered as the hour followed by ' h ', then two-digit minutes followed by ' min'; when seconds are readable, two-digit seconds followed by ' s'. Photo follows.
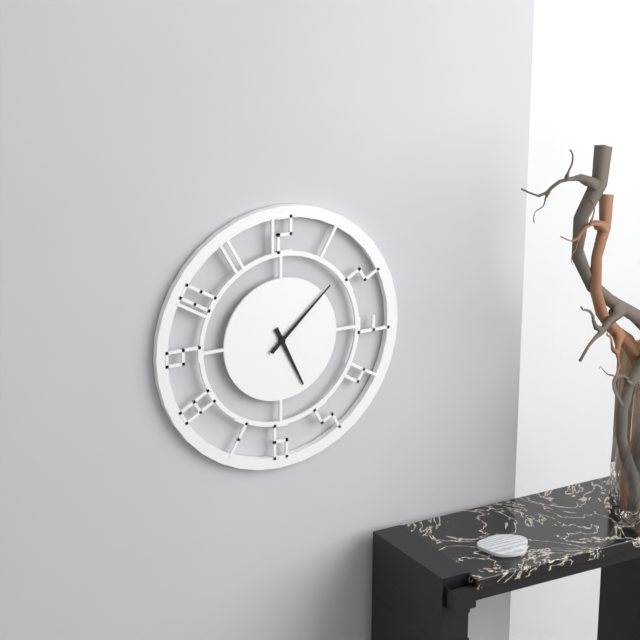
5 h 08 min
